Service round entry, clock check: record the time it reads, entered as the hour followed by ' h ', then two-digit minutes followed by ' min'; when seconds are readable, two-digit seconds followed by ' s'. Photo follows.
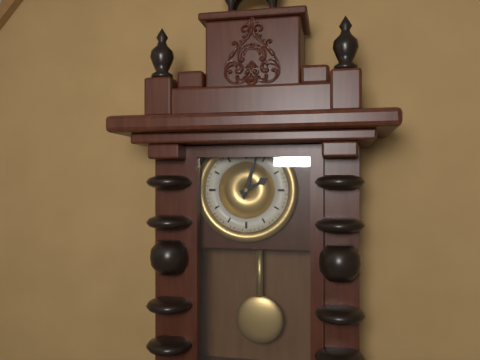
2 h 03 min
